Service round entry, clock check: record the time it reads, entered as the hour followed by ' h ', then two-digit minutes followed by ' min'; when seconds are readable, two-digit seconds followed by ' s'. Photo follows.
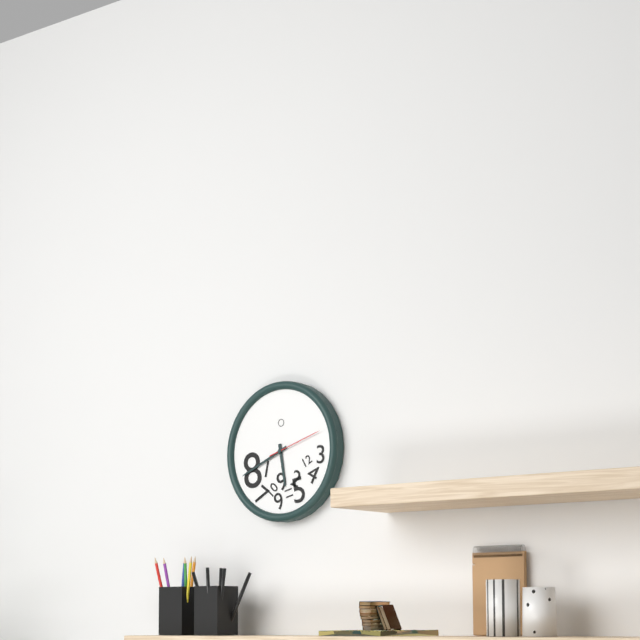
5 h 41 min 12 s
